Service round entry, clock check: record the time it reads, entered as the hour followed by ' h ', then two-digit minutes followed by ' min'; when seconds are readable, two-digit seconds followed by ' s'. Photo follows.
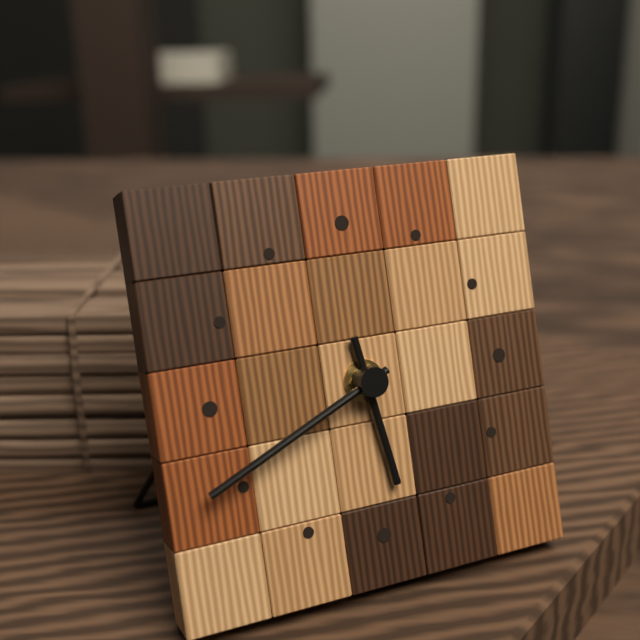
5 h 41 min
